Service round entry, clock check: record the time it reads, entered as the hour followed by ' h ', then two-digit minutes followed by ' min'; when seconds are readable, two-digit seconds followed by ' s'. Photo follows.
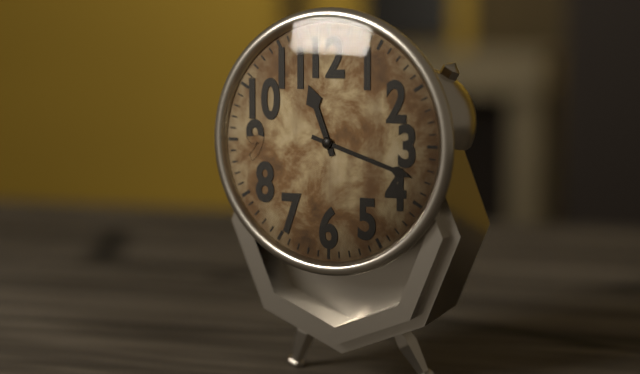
11 h 18 min
